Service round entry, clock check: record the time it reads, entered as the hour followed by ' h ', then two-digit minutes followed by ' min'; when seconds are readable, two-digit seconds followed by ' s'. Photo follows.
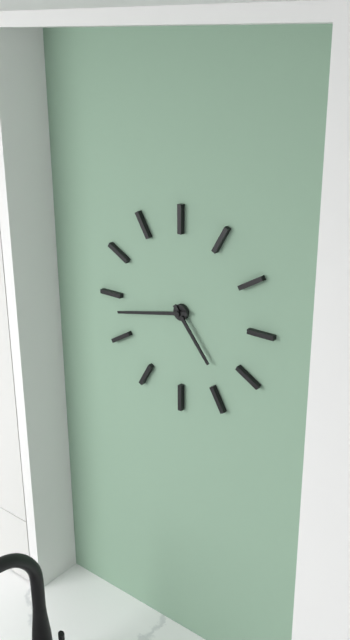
4 h 43 min
